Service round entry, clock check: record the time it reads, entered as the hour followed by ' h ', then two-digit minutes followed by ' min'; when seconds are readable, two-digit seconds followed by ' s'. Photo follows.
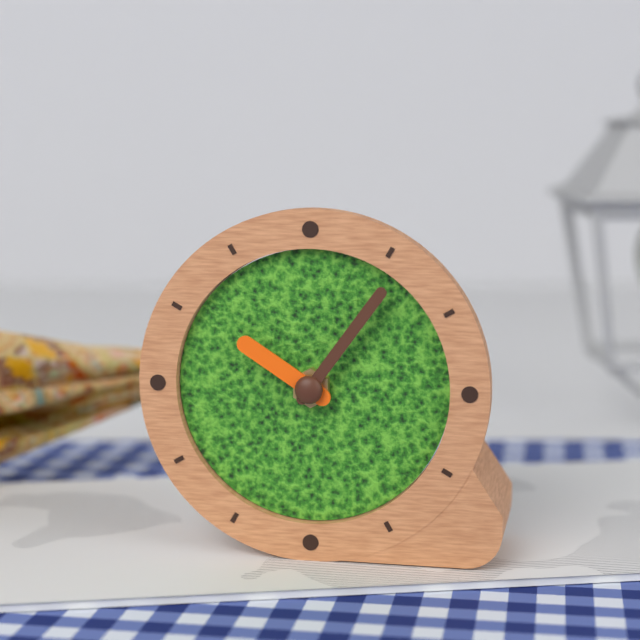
10 h 06 min
